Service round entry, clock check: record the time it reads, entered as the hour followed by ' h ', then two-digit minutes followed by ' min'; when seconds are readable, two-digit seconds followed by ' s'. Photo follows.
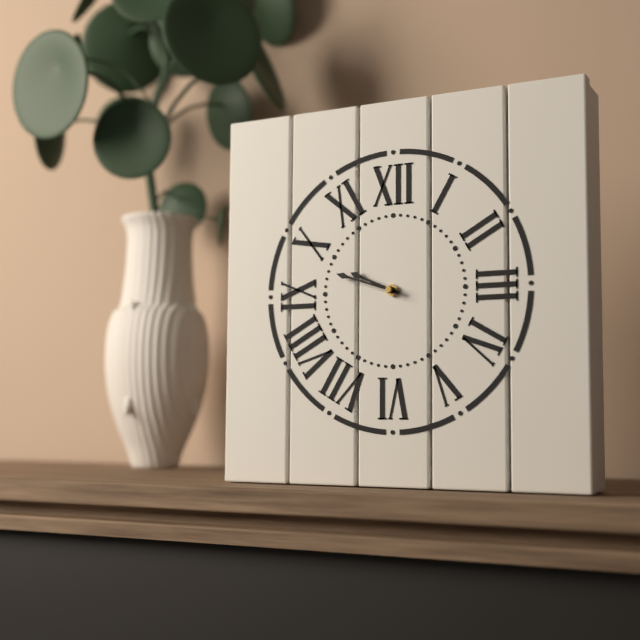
9 h 48 min
